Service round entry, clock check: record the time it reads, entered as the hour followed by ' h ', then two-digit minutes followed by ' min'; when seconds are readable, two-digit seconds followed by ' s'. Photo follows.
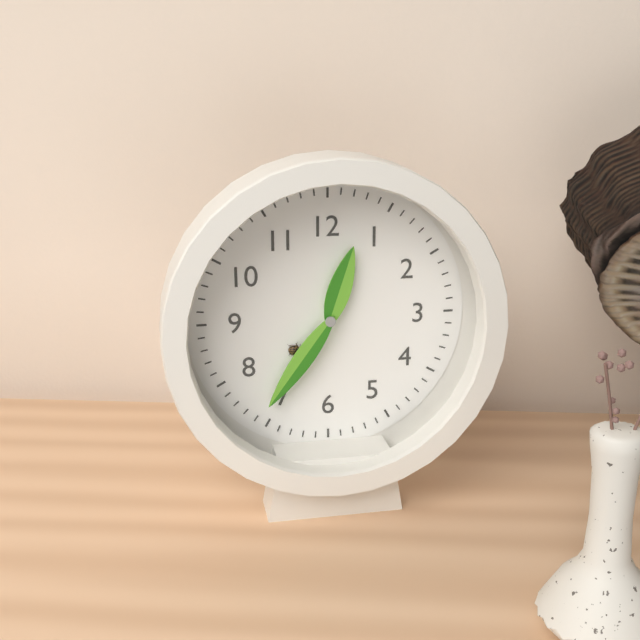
12 h 36 min
